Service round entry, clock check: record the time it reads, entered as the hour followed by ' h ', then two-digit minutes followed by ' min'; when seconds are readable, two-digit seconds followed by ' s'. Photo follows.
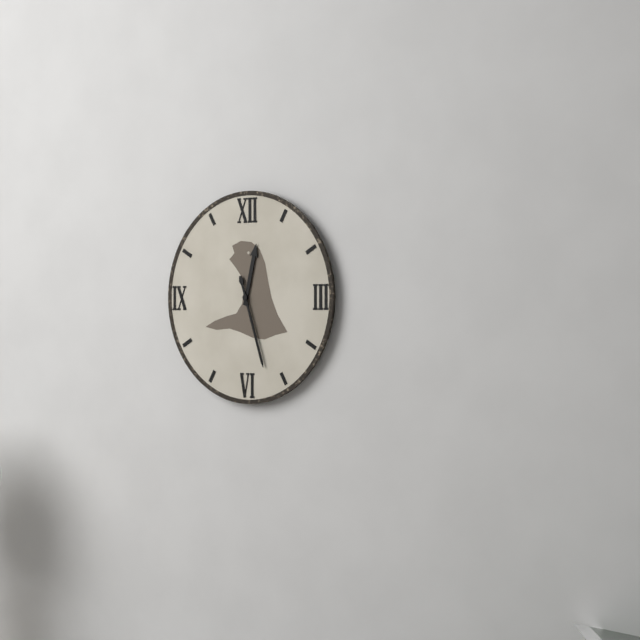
12 h 27 min
